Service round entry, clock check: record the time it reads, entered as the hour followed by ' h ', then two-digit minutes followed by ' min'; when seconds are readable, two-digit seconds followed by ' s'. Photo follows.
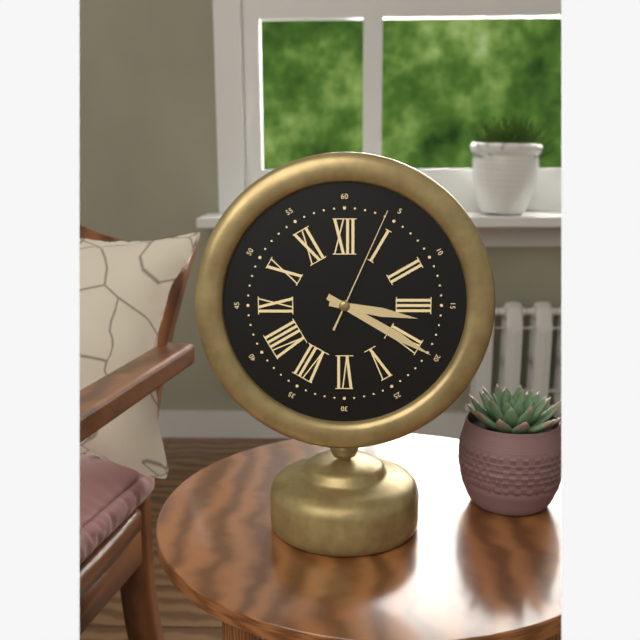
3 h 20 min 04 s
